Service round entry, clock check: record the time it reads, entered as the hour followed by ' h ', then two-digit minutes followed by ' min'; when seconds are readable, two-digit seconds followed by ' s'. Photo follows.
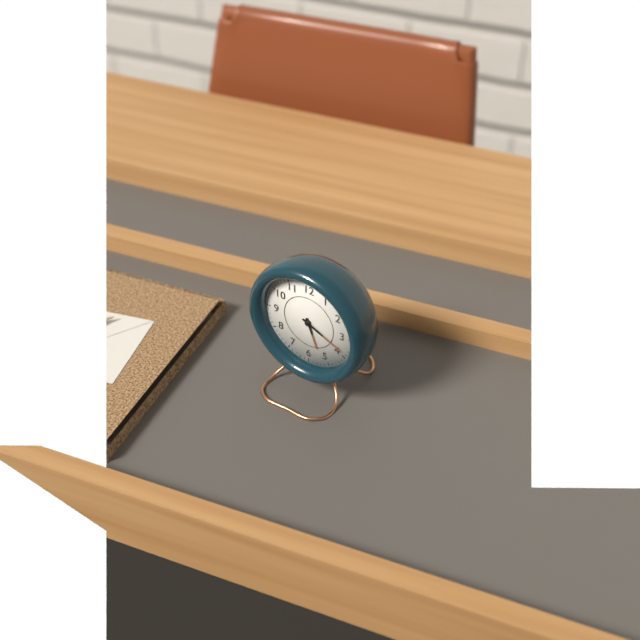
5 h 19 min
